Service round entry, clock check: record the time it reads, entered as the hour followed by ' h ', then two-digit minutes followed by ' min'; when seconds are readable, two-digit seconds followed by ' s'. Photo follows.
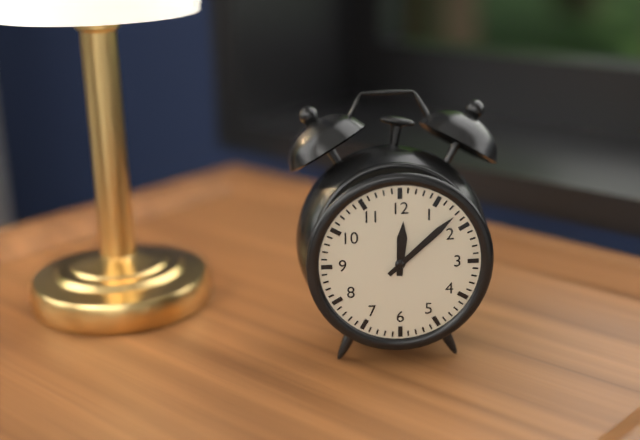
12 h 08 min
